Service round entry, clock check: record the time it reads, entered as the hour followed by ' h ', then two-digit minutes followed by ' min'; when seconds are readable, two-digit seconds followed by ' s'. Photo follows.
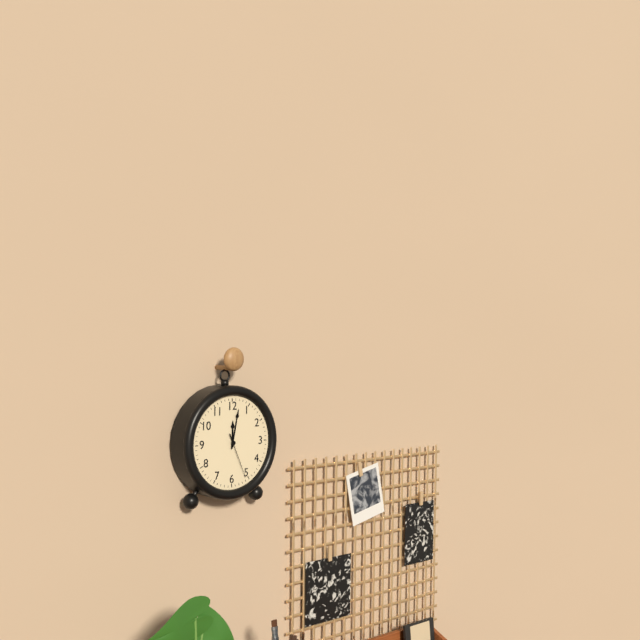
12 h 02 min
